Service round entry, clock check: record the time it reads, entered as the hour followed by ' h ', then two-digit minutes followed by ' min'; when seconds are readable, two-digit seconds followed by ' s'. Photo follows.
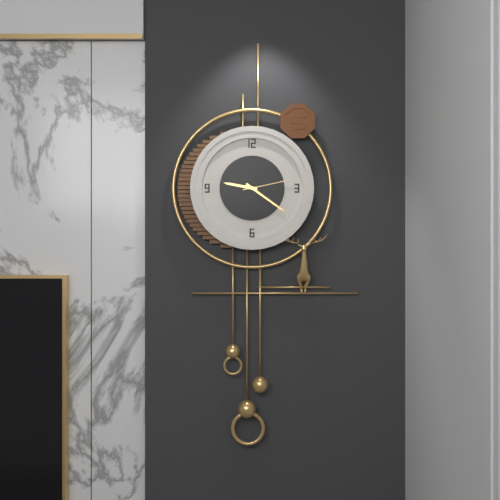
9 h 21 min
